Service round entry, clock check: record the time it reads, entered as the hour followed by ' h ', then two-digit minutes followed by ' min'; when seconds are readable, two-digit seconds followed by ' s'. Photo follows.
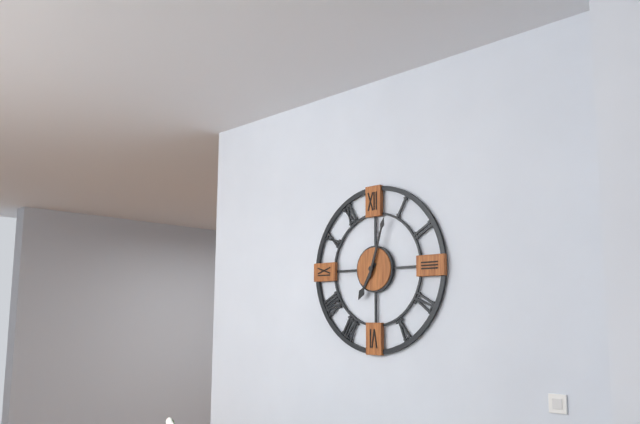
7 h 03 min
